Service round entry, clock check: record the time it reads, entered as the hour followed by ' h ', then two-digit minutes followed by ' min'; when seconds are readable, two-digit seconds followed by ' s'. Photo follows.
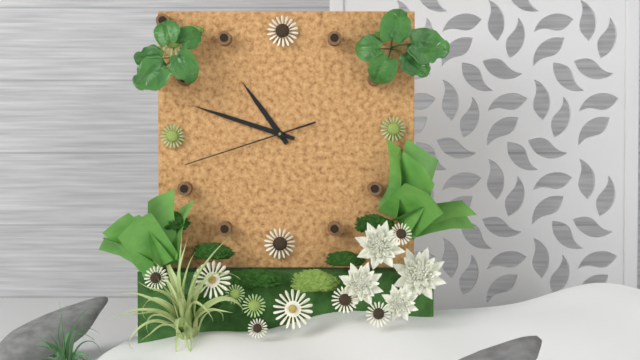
10 h 48 min 42 s
